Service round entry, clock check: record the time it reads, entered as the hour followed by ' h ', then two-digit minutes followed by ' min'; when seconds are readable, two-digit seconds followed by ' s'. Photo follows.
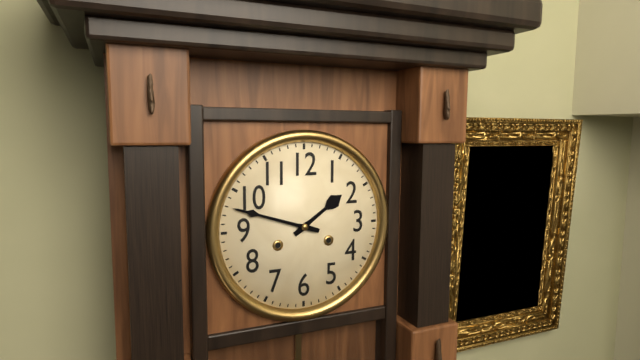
1 h 48 min
